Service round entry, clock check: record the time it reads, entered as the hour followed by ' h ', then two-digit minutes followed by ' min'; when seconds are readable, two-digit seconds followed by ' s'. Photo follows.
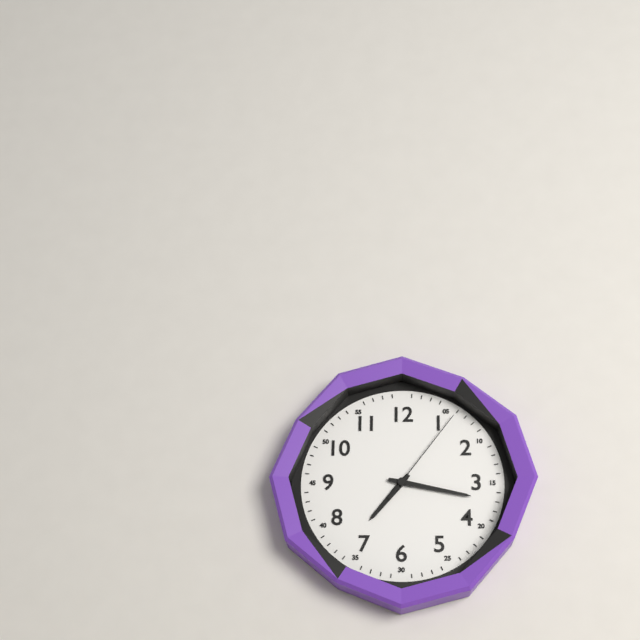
7 h 17 min 06 s
